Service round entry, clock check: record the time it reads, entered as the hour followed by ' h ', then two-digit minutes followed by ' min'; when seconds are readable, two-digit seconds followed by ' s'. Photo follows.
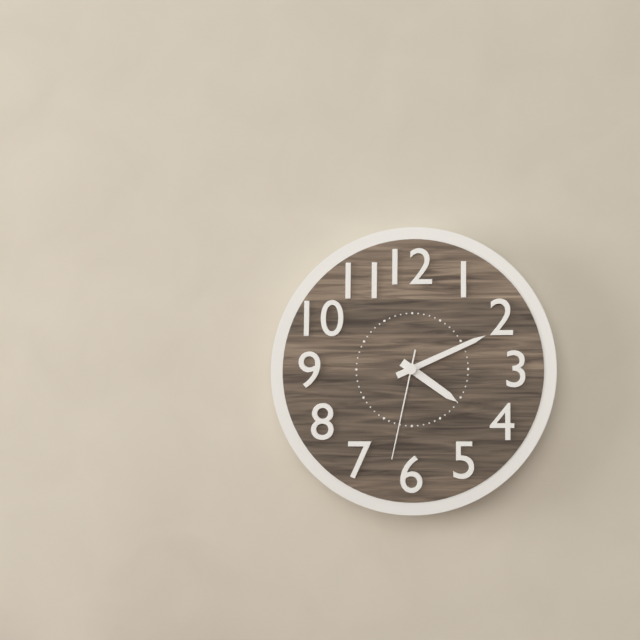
4 h 11 min 32 s
